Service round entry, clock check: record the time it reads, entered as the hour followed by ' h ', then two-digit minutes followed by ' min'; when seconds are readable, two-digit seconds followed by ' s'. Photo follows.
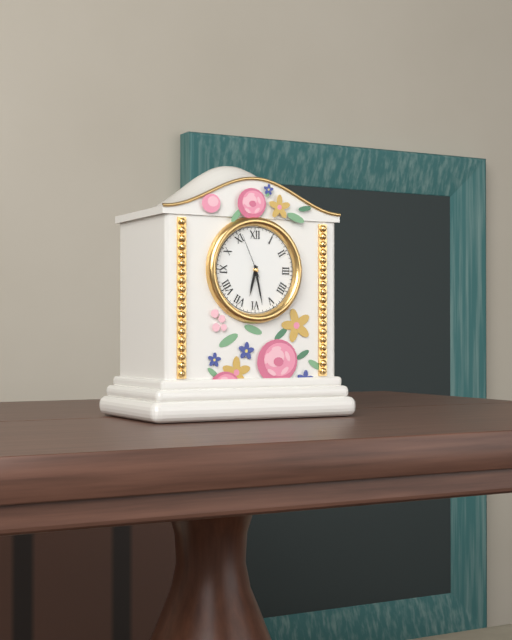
6 h 28 min
